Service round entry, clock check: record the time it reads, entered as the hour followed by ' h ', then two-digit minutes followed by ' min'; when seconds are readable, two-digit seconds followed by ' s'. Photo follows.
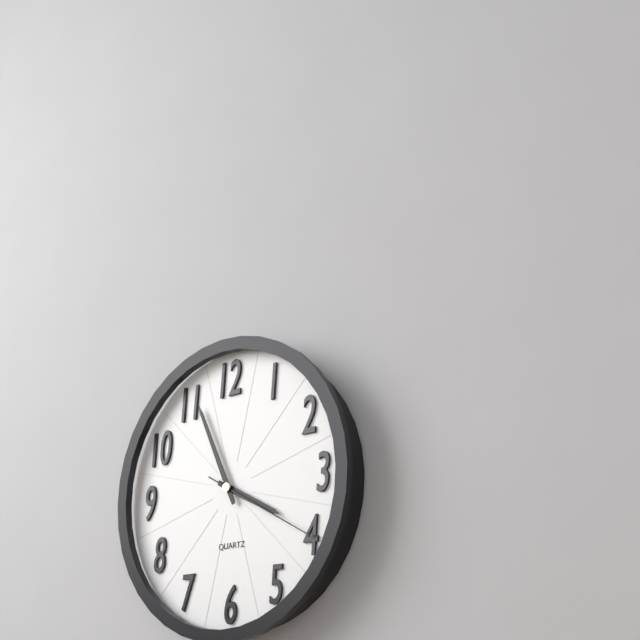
3 h 56 min 20 s
